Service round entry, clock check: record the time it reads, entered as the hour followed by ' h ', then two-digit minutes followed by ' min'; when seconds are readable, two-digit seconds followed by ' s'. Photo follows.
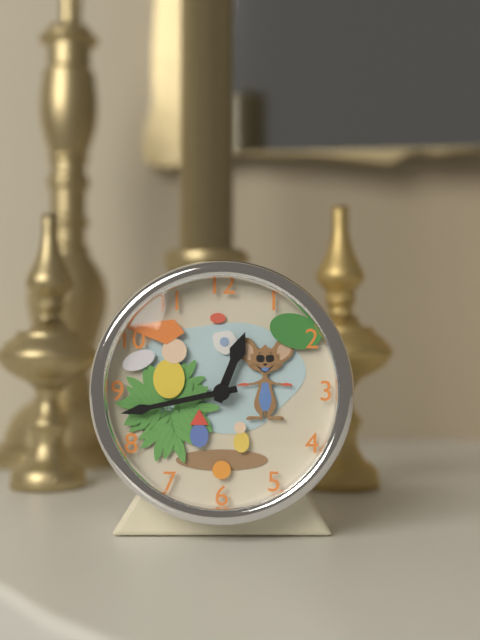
12 h 43 min
